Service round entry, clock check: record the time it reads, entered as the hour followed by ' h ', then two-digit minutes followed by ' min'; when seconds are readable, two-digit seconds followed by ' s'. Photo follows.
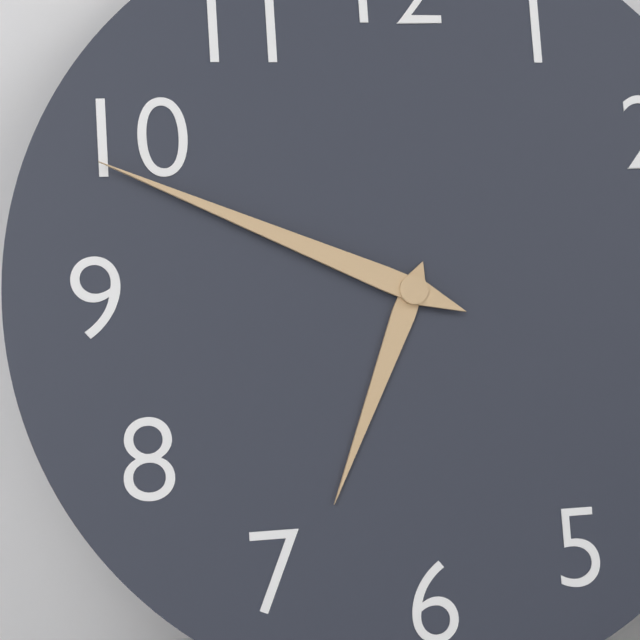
6 h 49 min
